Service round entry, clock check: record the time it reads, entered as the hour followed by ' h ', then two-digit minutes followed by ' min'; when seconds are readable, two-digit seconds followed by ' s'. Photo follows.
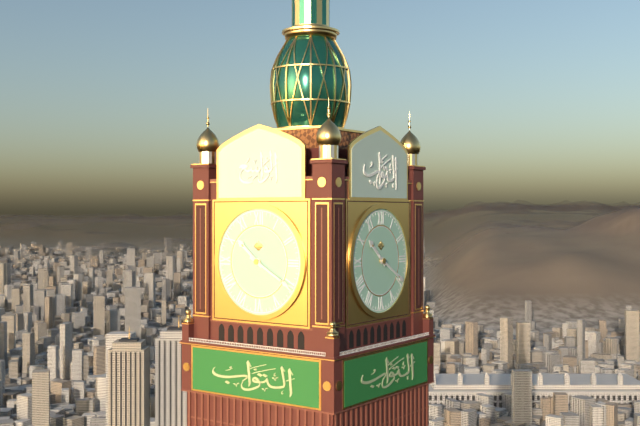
10 h 20 min
